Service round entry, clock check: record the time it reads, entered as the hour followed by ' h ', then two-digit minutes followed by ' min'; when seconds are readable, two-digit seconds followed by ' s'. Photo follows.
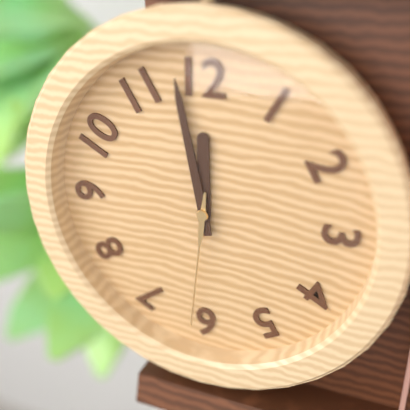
11 h 58 min 31 s
